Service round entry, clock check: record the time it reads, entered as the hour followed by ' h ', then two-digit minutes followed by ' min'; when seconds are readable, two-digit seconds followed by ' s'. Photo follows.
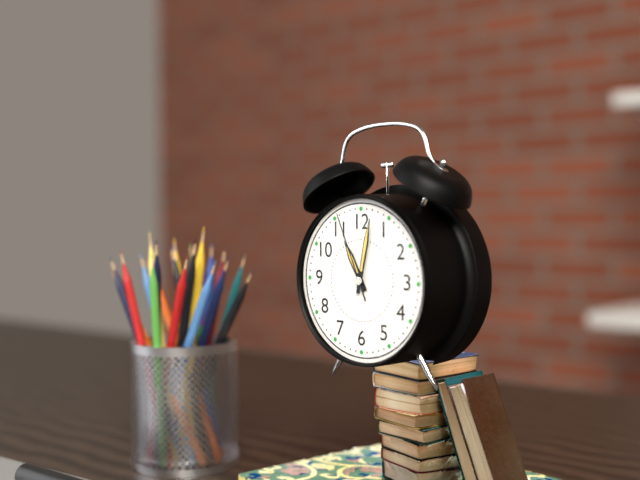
11 h 02 min 56 s
